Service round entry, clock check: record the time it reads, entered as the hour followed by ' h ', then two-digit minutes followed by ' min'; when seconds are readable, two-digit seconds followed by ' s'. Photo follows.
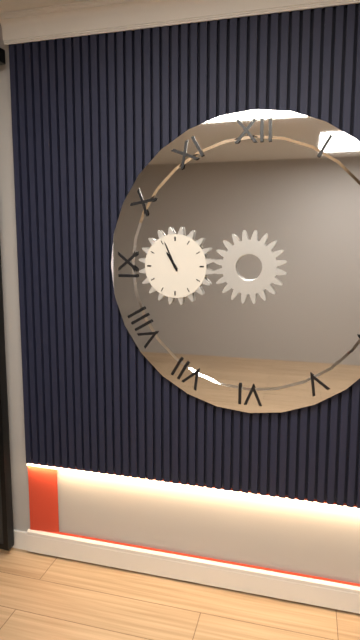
10 h 56 min
